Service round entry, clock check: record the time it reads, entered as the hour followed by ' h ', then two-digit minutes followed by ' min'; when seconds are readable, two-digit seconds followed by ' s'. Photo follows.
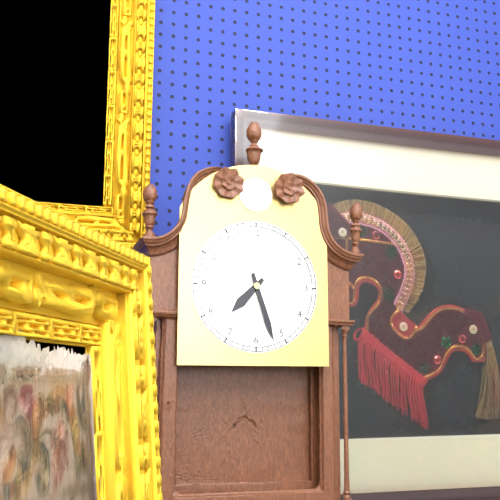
7 h 27 min
